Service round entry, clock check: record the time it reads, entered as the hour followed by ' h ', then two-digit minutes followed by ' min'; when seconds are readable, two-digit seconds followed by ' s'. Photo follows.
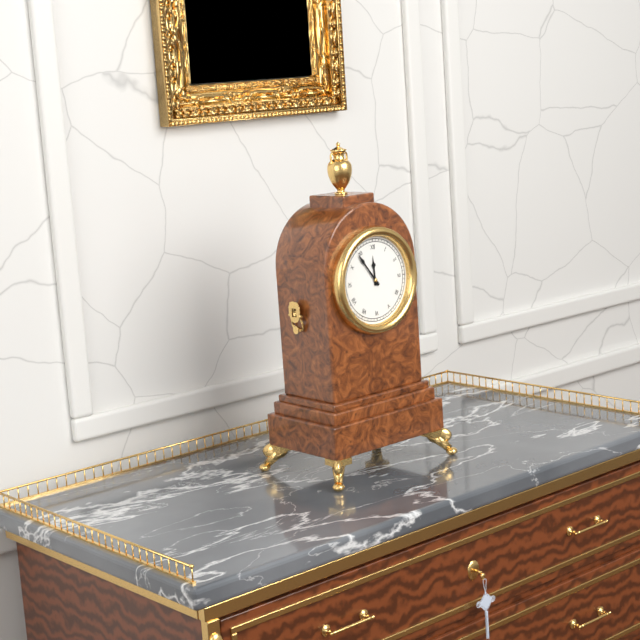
11 h 54 min
